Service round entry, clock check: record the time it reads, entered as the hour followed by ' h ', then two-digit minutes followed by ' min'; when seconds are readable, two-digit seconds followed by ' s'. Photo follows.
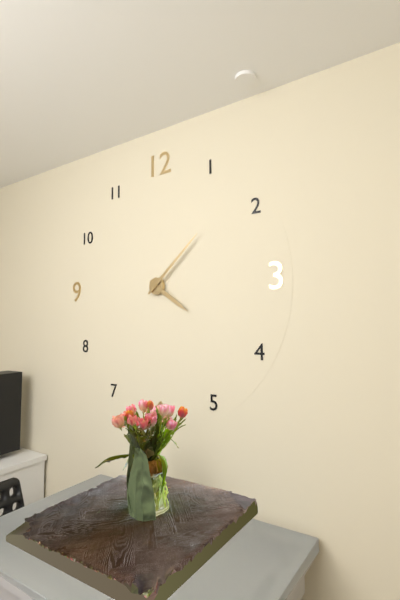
4 h 08 min
